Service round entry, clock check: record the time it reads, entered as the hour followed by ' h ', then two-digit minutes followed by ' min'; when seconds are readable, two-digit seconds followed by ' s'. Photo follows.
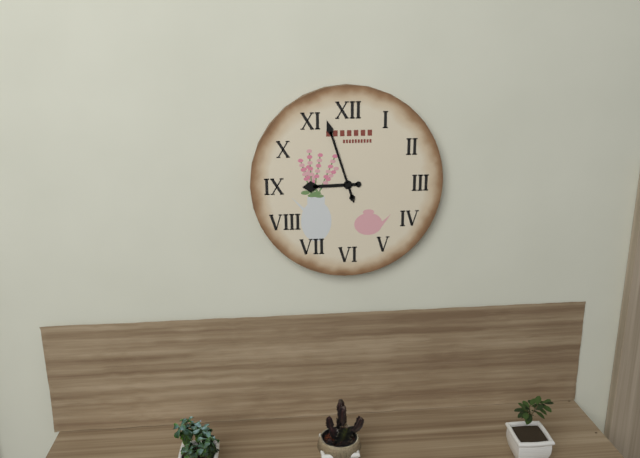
8 h 57 min
